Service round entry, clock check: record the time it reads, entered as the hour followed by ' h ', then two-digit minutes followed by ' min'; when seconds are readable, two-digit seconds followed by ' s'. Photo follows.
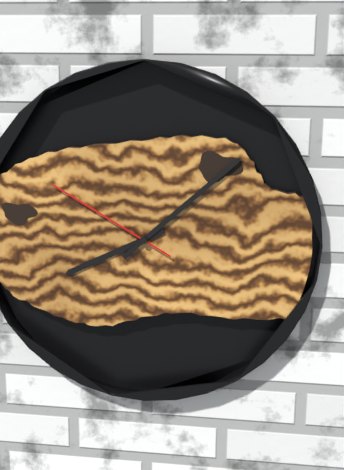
8 h 08 min 50 s
